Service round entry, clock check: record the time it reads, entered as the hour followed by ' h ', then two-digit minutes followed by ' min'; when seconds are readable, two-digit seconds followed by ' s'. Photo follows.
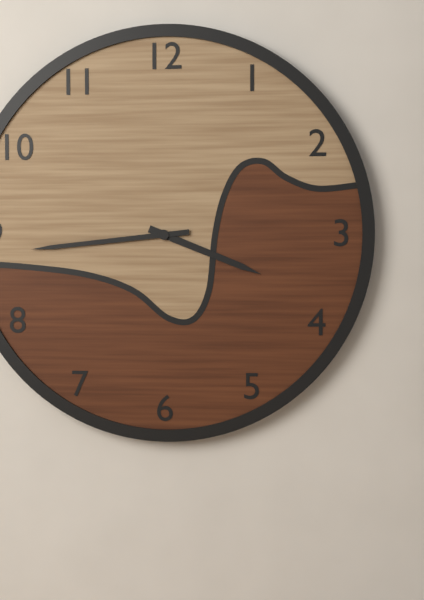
3 h 44 min
